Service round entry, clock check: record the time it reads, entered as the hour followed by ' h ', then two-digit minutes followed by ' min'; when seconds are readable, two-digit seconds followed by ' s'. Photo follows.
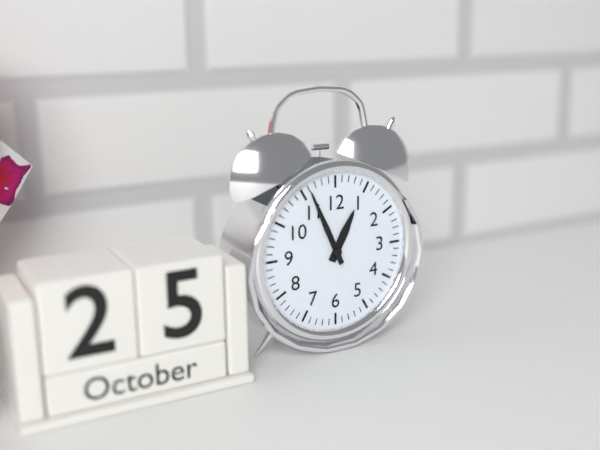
12 h 56 min
